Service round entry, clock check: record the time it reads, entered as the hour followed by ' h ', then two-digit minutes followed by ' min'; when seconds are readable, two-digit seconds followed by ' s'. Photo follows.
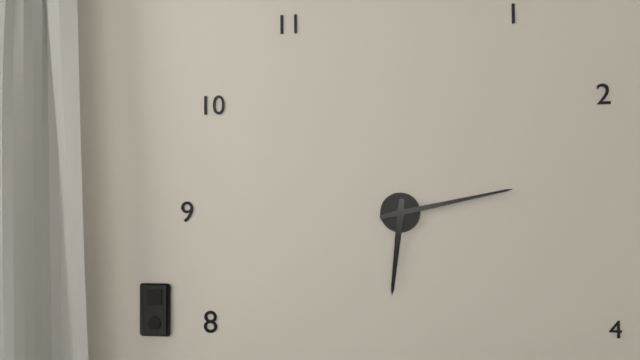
6 h 13 min
